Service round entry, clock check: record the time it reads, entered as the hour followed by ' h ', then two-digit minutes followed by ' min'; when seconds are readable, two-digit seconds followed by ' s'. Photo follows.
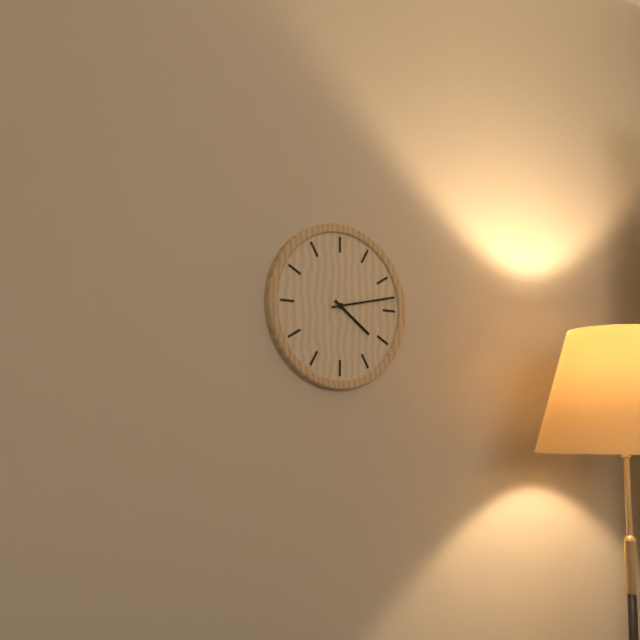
4 h 13 min
